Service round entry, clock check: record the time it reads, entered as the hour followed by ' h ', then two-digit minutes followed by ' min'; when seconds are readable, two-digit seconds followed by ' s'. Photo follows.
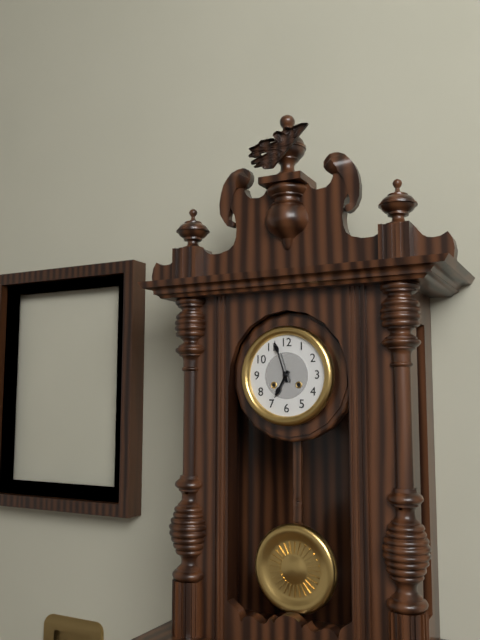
6 h 57 min
